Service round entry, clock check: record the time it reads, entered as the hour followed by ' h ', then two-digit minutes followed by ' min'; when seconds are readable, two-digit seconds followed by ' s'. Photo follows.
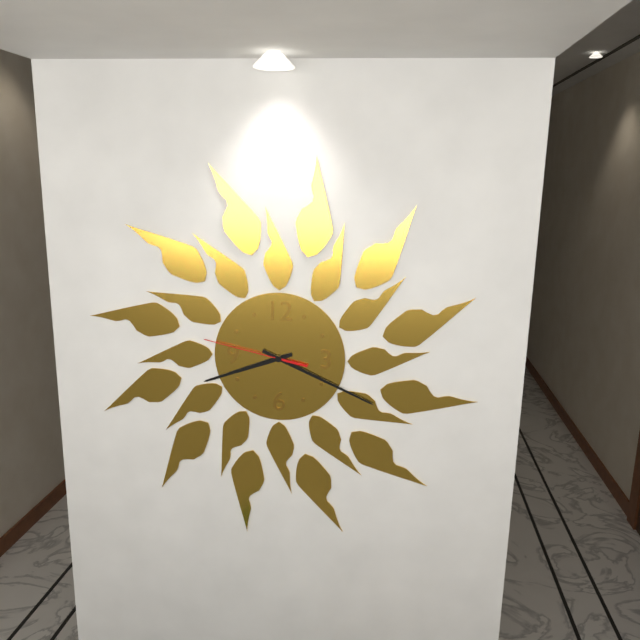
8 h 19 min 47 s
